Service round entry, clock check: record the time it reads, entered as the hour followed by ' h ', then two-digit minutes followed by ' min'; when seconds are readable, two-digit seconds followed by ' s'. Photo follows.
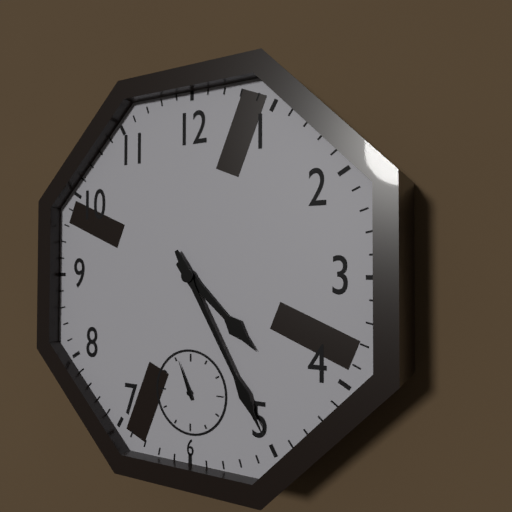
4 h 25 min
